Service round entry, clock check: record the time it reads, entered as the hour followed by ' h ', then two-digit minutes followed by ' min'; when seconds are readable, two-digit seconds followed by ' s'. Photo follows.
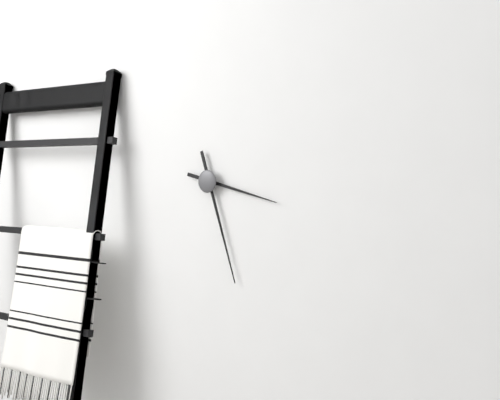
3 h 27 min
